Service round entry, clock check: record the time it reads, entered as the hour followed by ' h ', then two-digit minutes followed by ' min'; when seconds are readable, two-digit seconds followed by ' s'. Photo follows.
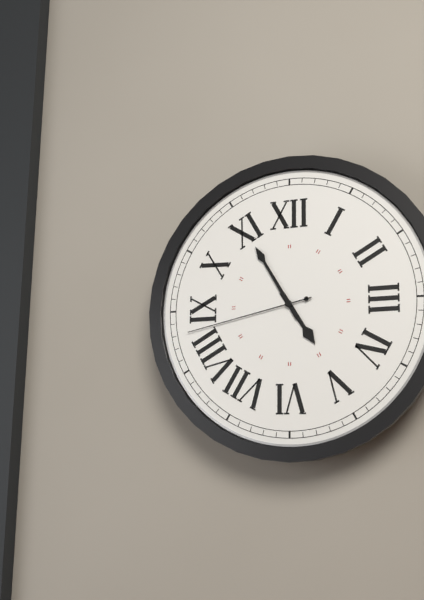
4 h 55 min 43 s
